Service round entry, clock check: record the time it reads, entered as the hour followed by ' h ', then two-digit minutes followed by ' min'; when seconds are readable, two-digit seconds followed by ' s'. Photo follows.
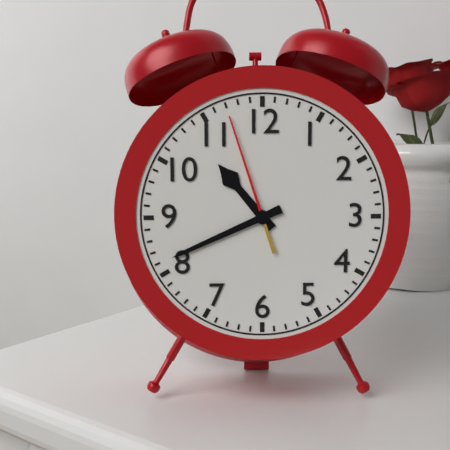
10 h 41 min 57 s
